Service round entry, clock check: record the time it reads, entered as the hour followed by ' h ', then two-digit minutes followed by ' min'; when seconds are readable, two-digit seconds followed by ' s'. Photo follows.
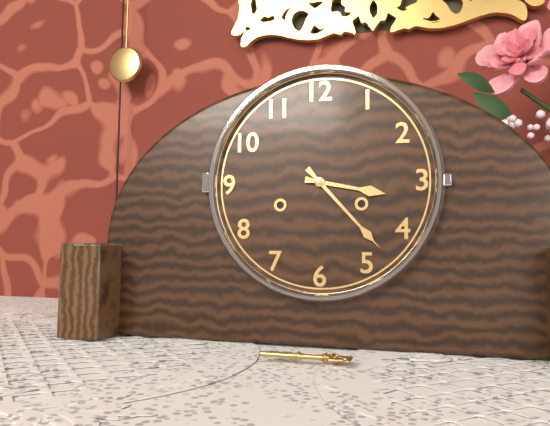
3 h 23 min
